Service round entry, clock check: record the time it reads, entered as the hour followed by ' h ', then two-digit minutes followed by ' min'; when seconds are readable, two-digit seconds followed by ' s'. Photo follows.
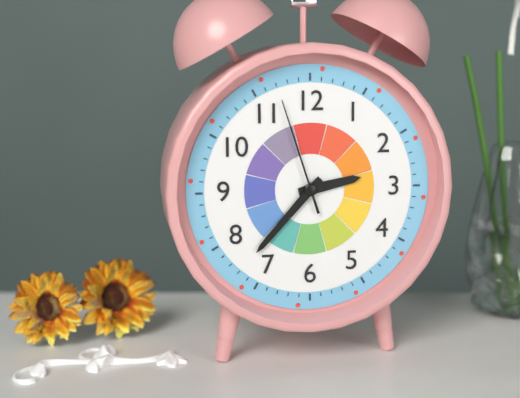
2 h 37 min 57 s
